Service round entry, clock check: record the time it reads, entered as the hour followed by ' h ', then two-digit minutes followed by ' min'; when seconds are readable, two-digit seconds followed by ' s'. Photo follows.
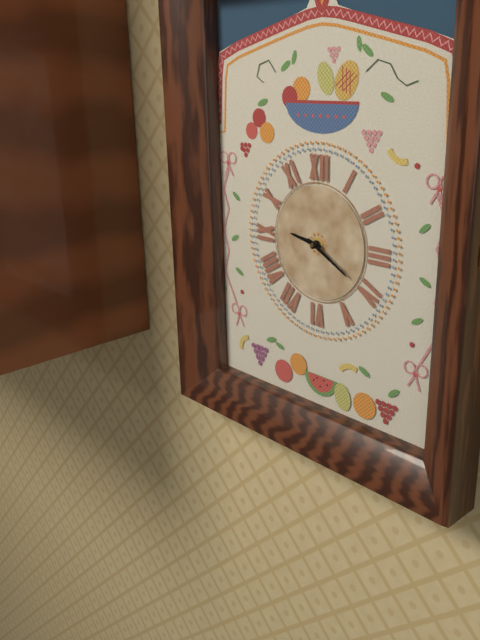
9 h 20 min
